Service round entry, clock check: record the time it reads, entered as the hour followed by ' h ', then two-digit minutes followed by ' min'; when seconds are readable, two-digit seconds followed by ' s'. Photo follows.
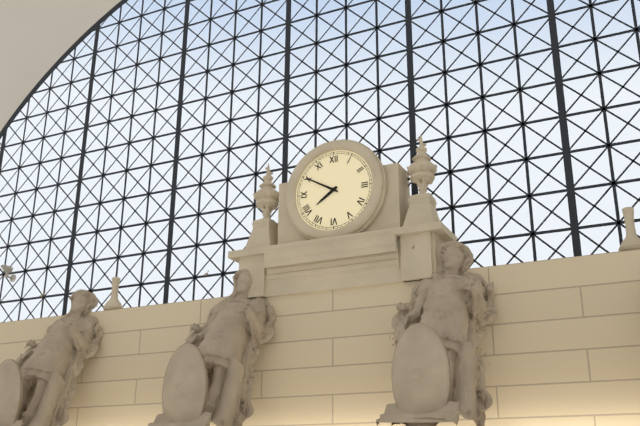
7 h 50 min
